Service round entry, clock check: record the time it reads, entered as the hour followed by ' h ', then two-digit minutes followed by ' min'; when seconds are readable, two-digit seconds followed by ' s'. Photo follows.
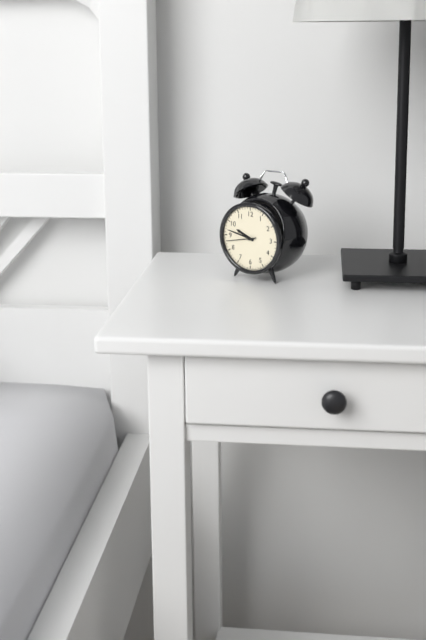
9 h 47 min
